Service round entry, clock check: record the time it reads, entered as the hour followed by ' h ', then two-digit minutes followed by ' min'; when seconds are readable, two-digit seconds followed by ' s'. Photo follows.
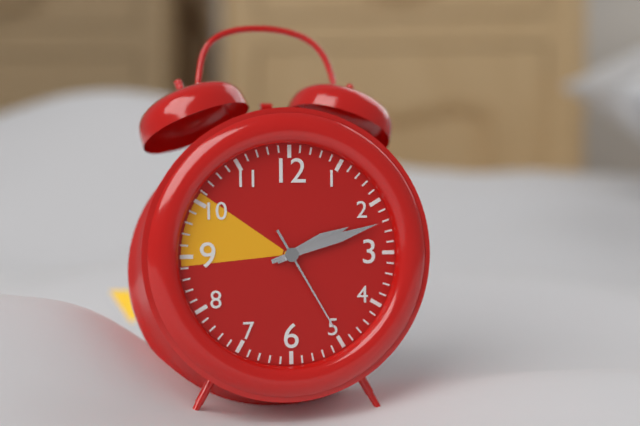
2 h 12 min 25 s
